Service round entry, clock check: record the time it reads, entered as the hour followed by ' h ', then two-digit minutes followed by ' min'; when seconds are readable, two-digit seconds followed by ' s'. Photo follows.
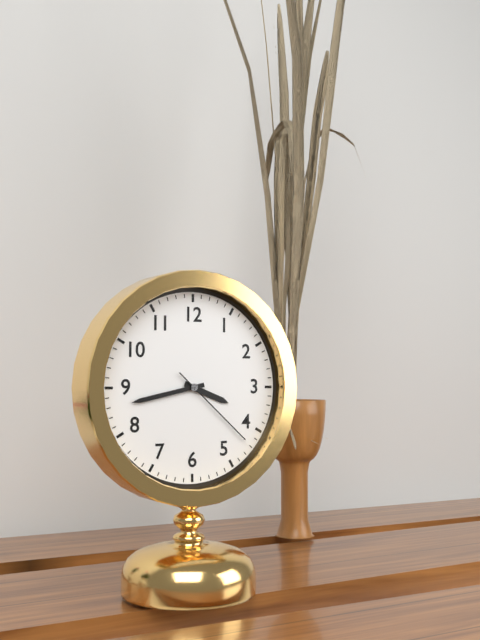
3 h 43 min 22 s
